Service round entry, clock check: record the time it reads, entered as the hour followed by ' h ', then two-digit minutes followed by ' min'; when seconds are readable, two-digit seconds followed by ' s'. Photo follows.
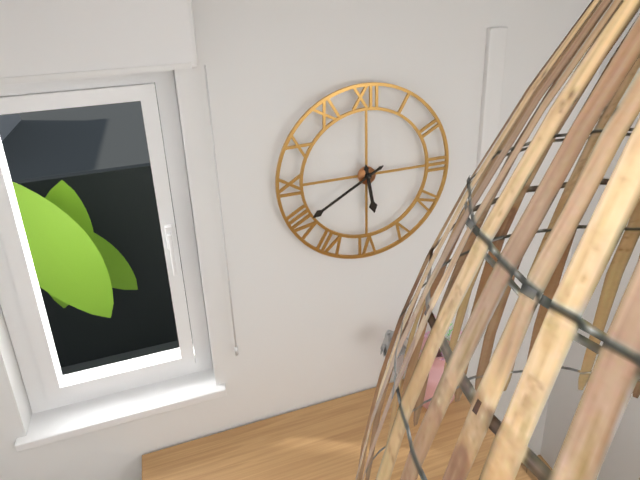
5 h 40 min
